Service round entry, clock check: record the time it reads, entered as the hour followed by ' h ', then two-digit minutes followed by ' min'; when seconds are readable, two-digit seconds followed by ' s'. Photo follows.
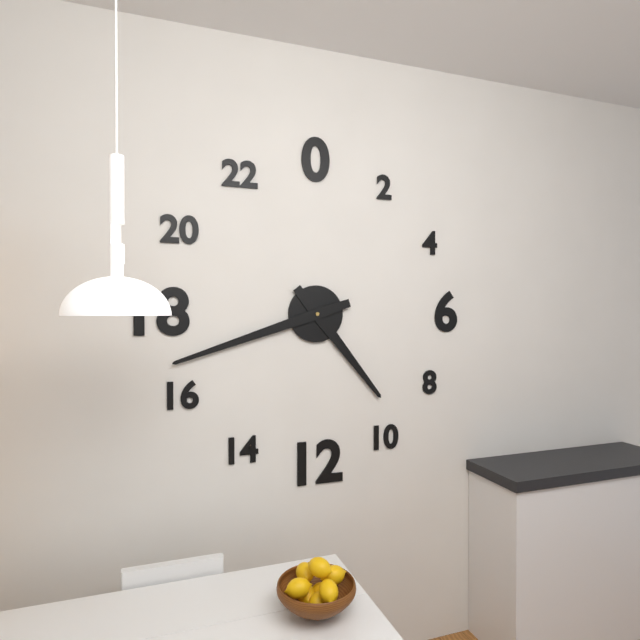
4 h 42 min
